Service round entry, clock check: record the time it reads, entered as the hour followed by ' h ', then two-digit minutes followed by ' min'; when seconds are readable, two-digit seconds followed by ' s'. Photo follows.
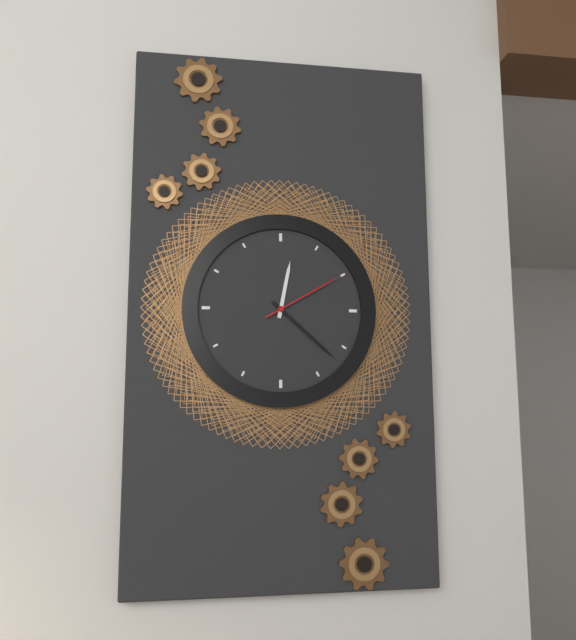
12 h 22 min 10 s
